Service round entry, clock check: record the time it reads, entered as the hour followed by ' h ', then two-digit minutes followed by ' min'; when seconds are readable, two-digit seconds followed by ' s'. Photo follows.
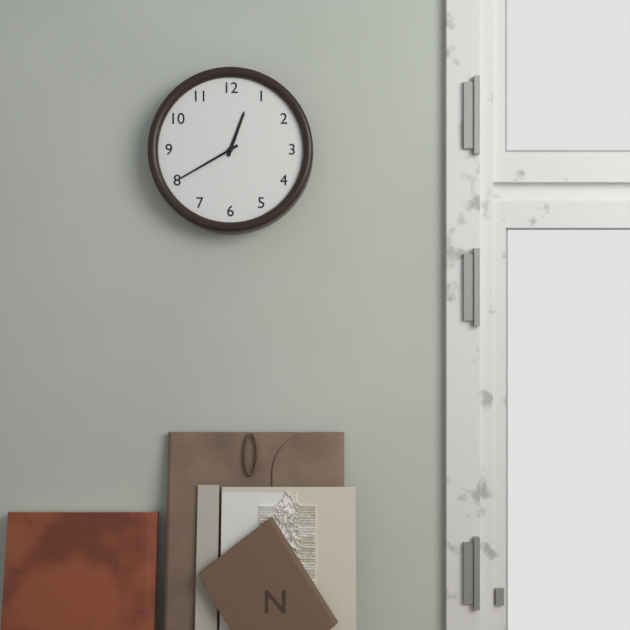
12 h 40 min
